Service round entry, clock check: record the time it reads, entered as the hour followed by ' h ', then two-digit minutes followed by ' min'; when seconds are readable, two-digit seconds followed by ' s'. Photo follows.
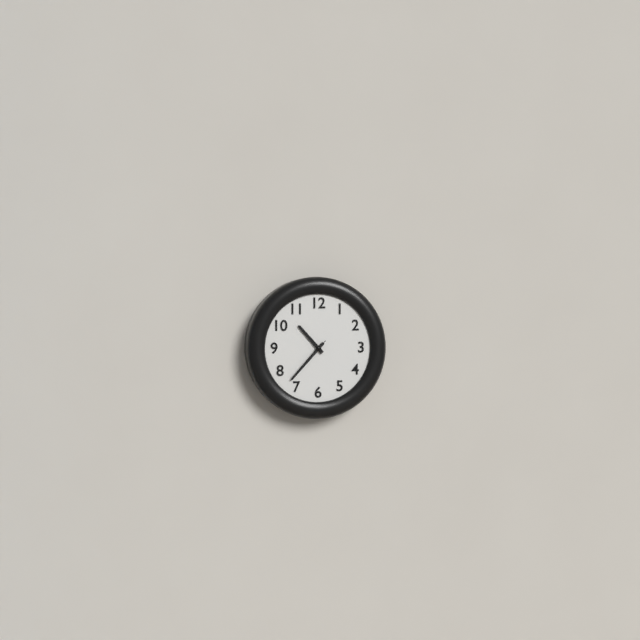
10 h 37 min
